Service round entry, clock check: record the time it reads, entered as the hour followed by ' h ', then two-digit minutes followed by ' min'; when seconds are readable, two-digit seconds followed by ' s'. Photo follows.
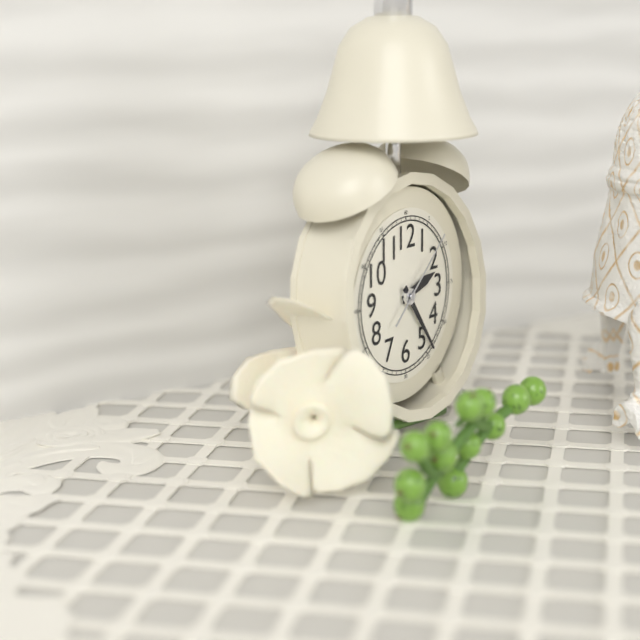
2 h 24 min 08 s
